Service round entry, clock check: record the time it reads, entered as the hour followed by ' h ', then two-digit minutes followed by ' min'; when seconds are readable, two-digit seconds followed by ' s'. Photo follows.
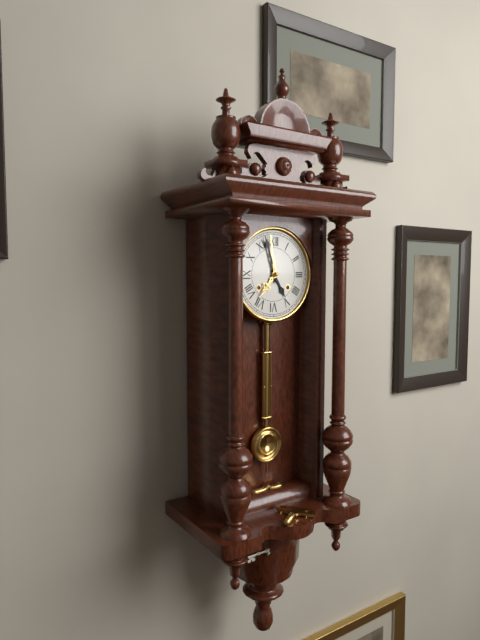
4 h 57 min
